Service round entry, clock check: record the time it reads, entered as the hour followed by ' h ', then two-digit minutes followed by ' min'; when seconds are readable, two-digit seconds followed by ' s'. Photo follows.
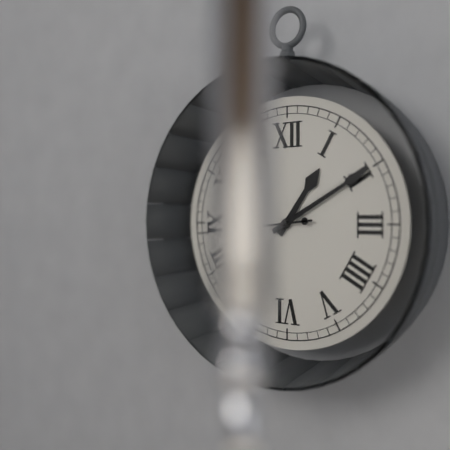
1 h 10 min 44 s
